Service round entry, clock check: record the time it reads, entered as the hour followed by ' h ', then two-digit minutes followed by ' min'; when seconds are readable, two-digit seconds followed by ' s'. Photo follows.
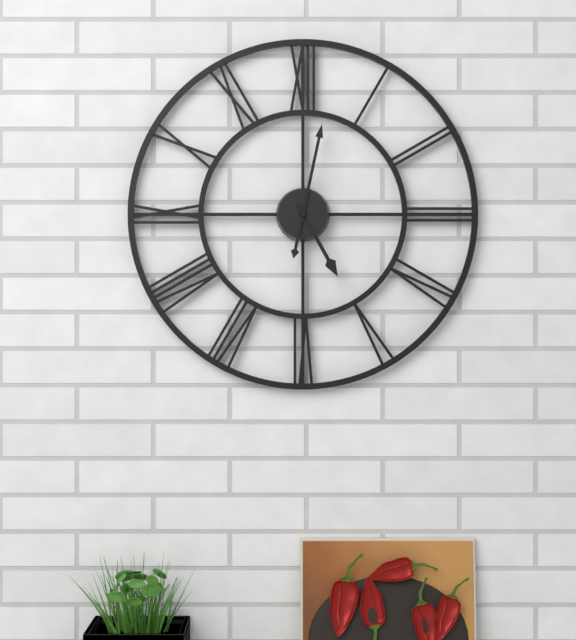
5 h 02 min
